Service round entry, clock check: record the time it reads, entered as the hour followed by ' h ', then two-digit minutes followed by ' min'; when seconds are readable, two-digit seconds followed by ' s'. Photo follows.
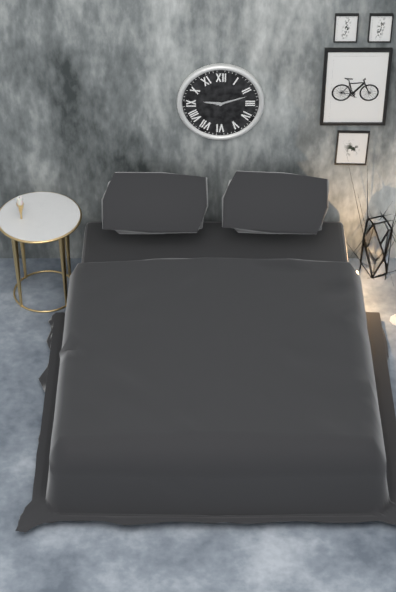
9 h 12 min
